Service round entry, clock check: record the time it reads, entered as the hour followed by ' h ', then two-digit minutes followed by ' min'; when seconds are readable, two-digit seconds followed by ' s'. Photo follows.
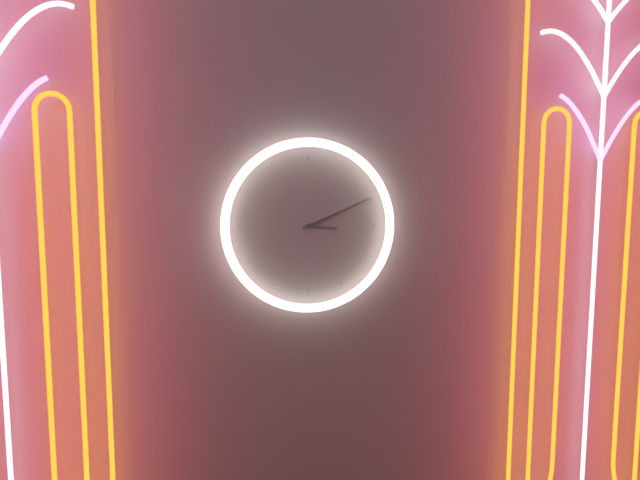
3 h 11 min
